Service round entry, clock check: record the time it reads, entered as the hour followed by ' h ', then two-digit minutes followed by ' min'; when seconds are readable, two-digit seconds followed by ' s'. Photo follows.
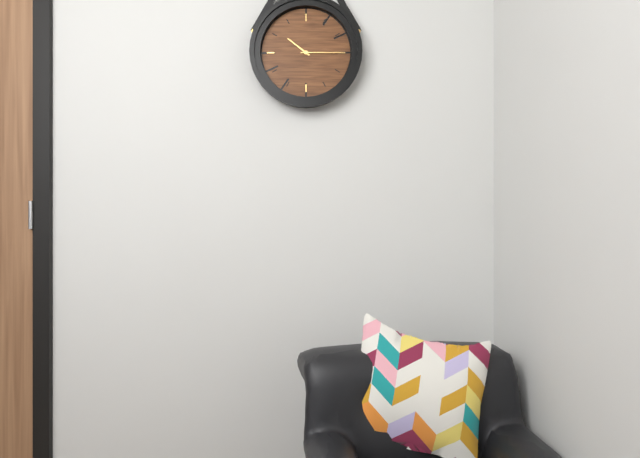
10 h 15 min
